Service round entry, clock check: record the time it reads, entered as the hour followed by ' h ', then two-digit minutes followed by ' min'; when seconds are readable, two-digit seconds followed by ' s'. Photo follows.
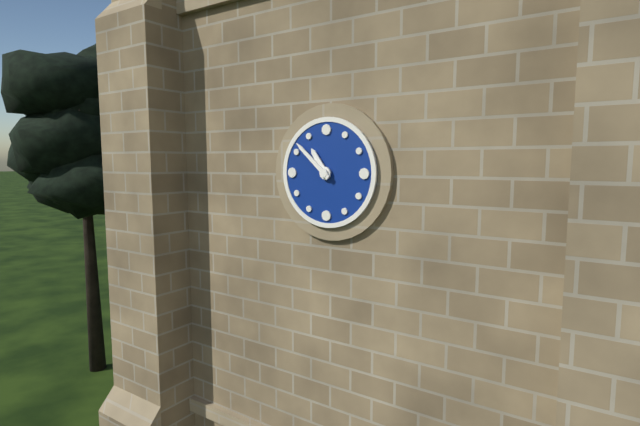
10 h 52 min
